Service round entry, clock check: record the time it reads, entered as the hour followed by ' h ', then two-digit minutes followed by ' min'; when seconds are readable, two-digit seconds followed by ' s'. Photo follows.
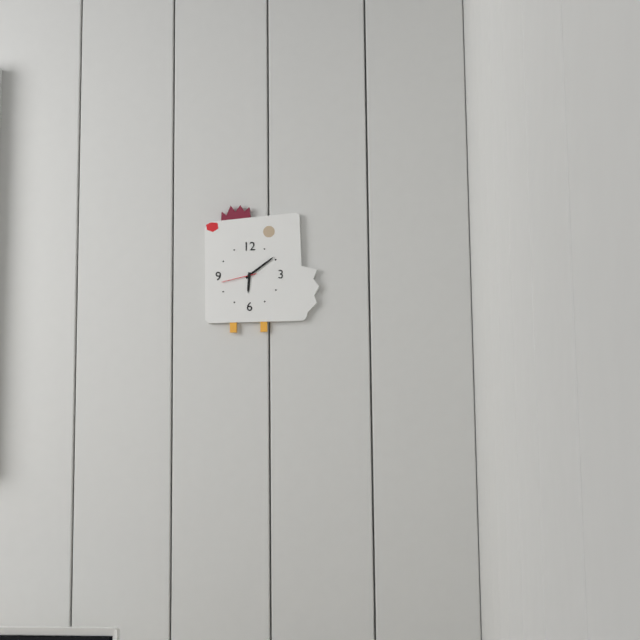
6 h 09 min
